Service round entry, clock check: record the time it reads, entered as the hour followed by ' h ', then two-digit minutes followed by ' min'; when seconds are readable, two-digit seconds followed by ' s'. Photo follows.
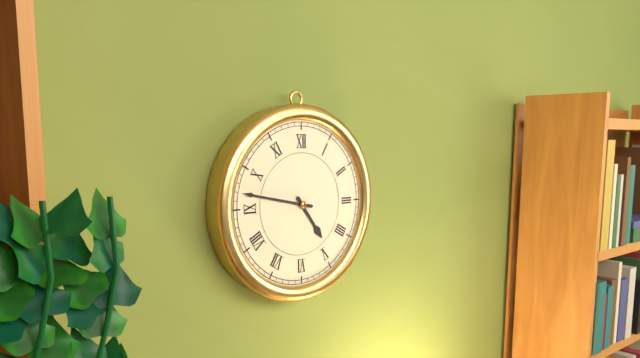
4 h 47 min
